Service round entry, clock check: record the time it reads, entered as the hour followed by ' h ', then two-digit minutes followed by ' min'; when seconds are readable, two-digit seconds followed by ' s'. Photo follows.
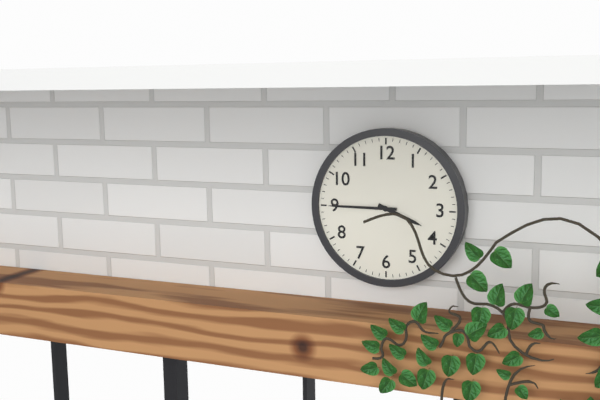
3 h 45 min
